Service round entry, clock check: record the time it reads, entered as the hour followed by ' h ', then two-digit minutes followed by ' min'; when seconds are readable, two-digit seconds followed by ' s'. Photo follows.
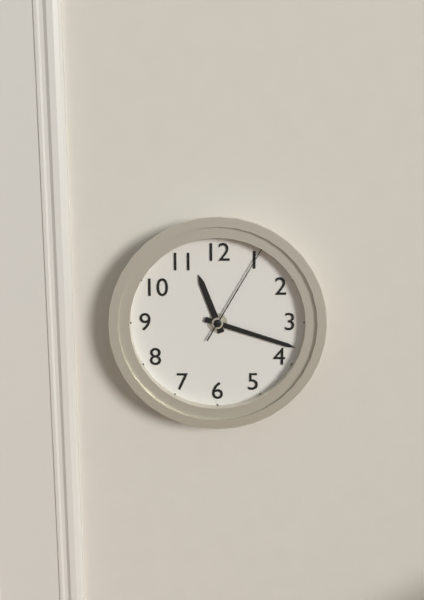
11 h 18 min 05 s
